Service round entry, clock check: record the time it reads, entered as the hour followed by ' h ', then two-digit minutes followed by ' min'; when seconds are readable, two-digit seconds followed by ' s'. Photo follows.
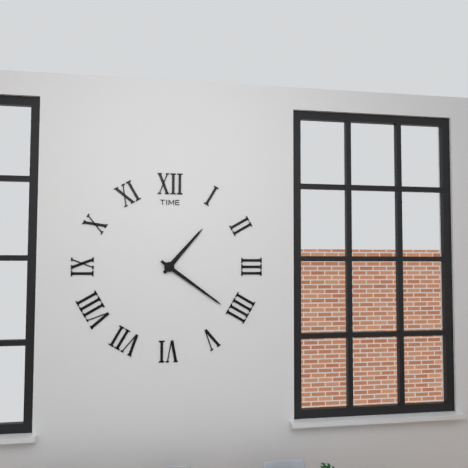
1 h 21 min
